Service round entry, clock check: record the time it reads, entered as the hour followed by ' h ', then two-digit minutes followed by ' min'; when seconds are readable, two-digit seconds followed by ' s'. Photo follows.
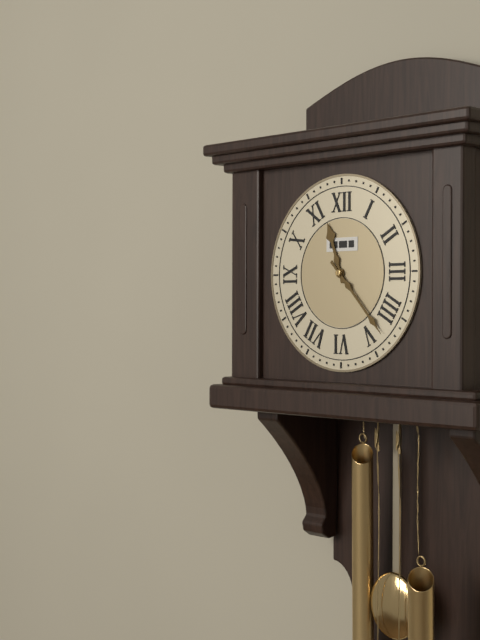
11 h 23 min
